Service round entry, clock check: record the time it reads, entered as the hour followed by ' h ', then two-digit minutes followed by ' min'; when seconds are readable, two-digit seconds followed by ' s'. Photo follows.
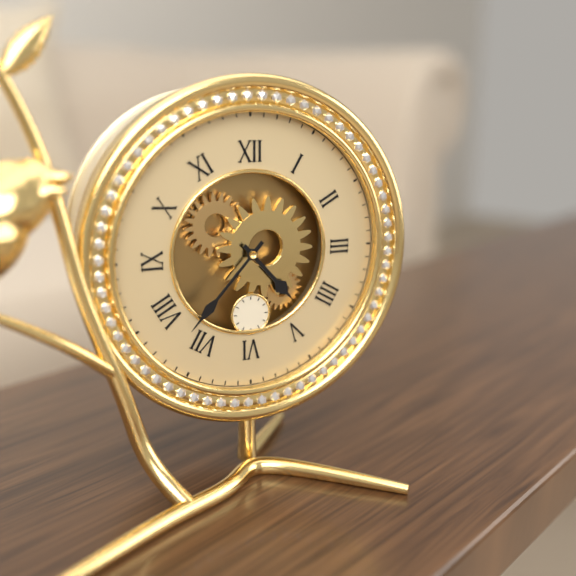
4 h 37 min
